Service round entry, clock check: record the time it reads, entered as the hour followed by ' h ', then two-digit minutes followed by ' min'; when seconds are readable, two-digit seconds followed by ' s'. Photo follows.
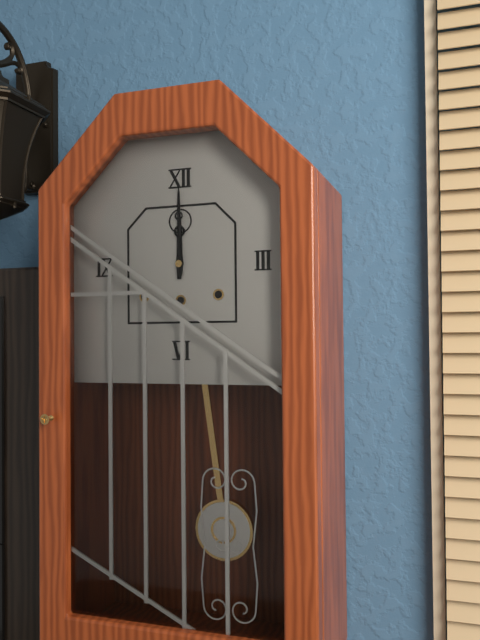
12 h 00 min
